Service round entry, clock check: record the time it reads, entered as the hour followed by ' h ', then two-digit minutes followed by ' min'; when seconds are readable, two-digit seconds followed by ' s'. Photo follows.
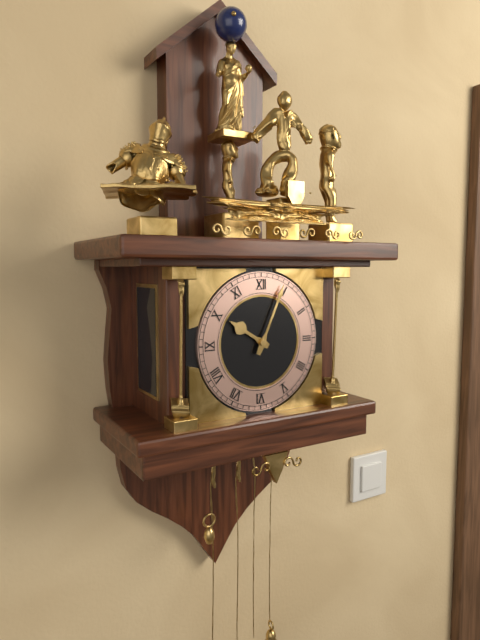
10 h 04 min
